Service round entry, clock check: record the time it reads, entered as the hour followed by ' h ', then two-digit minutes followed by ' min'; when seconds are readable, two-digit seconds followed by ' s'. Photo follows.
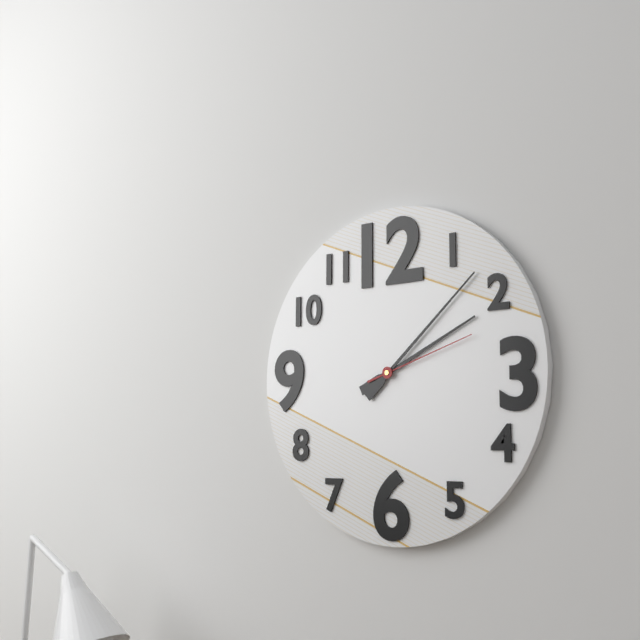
2 h 08 min 12 s
